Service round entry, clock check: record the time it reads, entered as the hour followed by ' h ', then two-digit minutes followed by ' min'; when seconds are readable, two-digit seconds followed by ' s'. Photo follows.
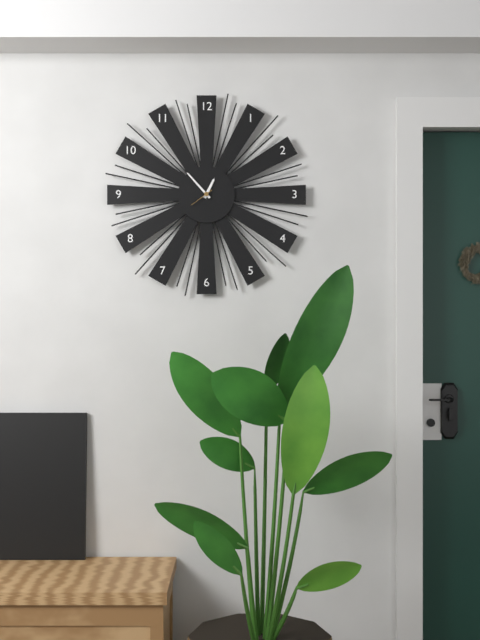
12 h 53 min
